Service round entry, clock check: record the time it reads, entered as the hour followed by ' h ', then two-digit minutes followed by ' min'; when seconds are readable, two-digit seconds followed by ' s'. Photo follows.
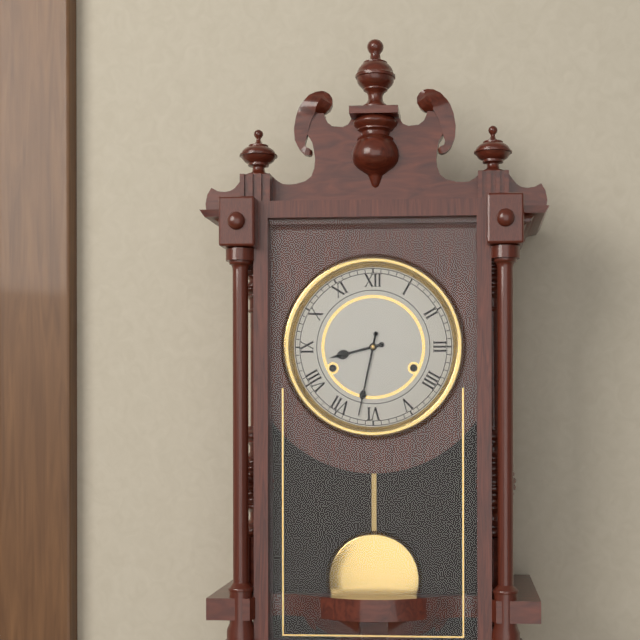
8 h 32 min
